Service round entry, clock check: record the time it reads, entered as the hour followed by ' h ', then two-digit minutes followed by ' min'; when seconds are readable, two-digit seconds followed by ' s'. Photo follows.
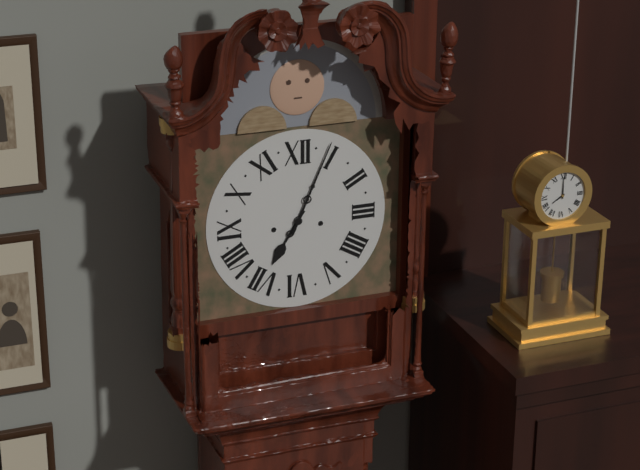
7 h 04 min
